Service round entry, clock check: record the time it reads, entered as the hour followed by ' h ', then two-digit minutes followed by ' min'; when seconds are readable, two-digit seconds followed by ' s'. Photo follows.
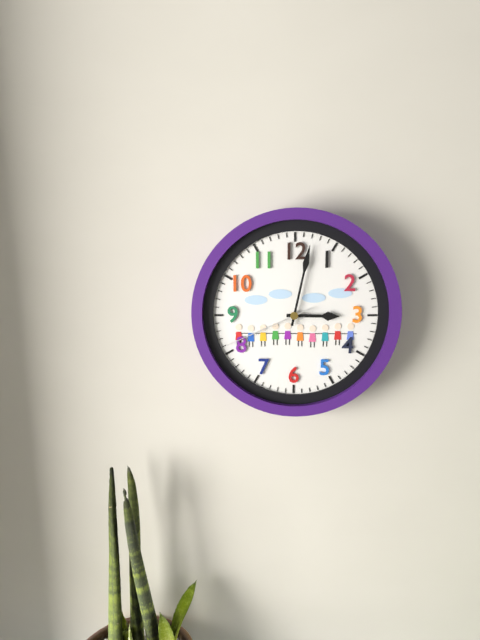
3 h 02 min 41 s
